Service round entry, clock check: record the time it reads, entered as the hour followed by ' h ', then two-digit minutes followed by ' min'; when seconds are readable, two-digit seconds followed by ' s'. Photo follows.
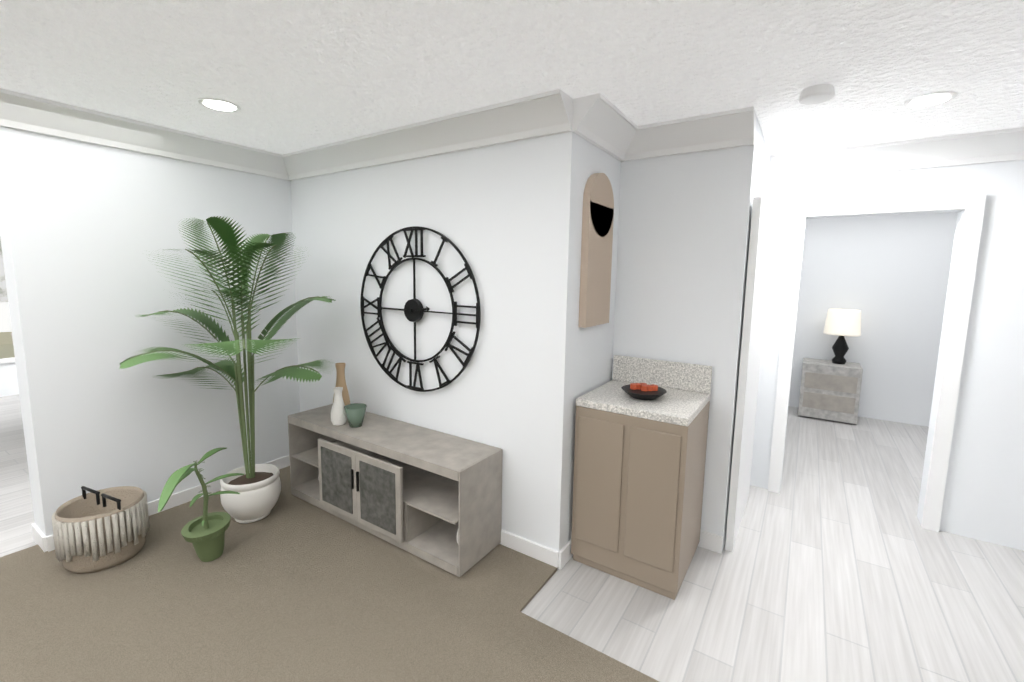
2 h 45 min
